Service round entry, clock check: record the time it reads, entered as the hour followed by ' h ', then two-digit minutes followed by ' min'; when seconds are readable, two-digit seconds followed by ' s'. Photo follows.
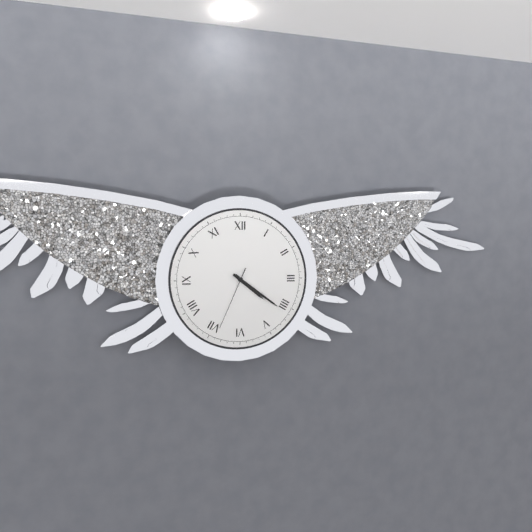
4 h 21 min 34 s
